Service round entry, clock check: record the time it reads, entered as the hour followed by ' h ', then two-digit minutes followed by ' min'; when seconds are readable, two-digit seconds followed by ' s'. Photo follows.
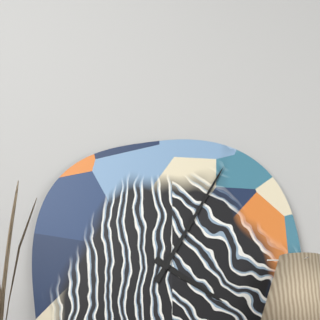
4 h 05 min
